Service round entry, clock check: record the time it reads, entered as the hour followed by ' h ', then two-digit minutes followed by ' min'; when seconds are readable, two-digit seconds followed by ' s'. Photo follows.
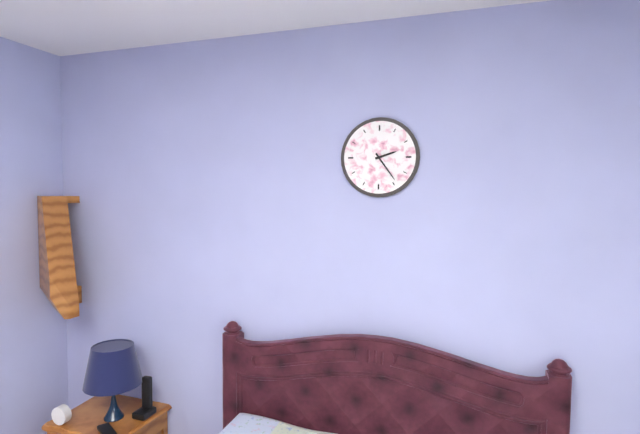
2 h 24 min
